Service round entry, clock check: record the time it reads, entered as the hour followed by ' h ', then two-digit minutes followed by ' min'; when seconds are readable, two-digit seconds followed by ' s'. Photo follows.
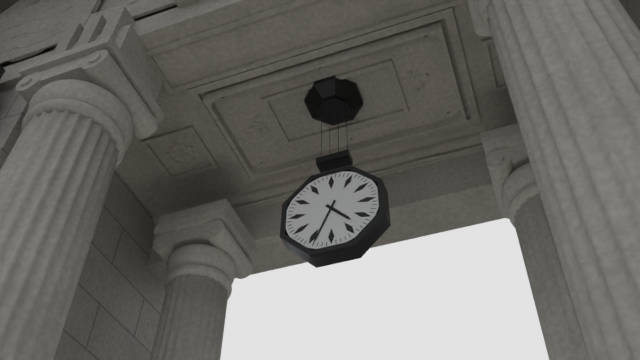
4 h 34 min
